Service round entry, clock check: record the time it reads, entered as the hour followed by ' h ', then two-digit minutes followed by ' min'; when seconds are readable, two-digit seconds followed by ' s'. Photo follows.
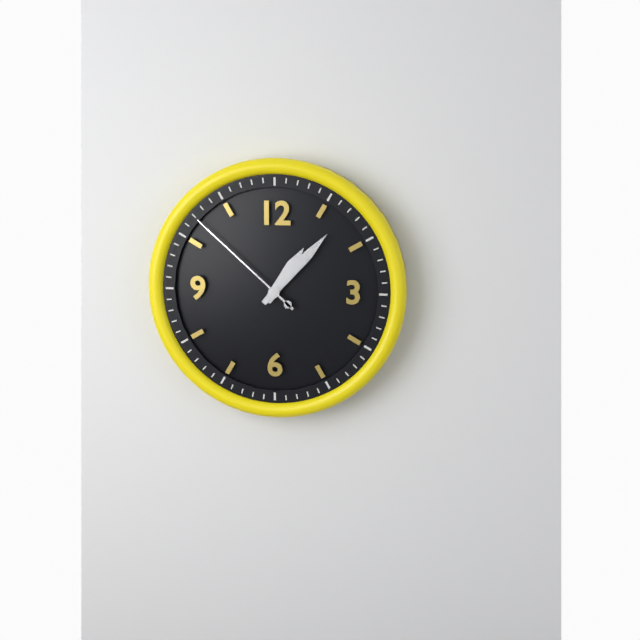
1 h 07 min 52 s
